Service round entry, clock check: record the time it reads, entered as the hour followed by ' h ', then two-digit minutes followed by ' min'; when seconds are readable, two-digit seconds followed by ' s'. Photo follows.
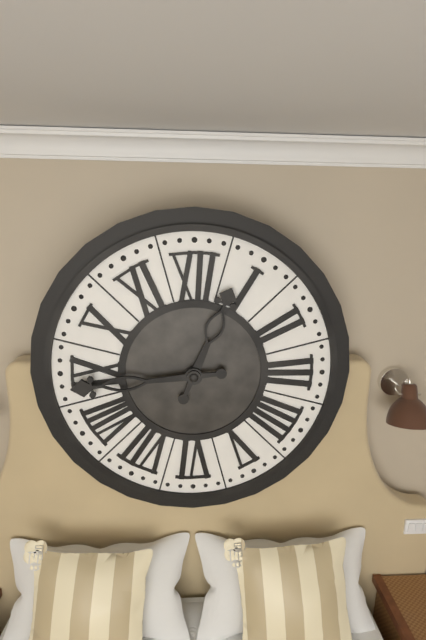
12 h 44 min
